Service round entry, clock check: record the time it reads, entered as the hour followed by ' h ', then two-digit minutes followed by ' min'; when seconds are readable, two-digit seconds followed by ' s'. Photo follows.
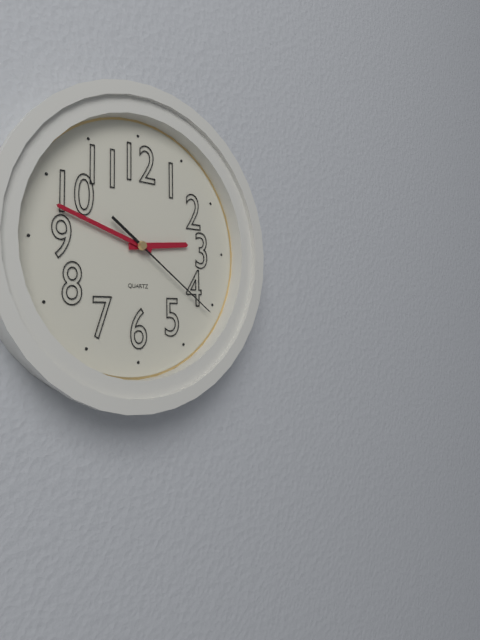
2 h 48 min 21 s
